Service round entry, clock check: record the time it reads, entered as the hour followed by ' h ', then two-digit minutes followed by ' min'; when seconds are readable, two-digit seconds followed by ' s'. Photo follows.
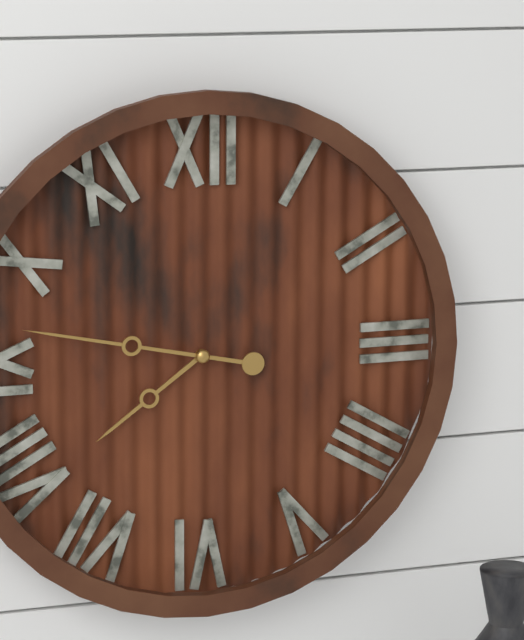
7 h 47 min
